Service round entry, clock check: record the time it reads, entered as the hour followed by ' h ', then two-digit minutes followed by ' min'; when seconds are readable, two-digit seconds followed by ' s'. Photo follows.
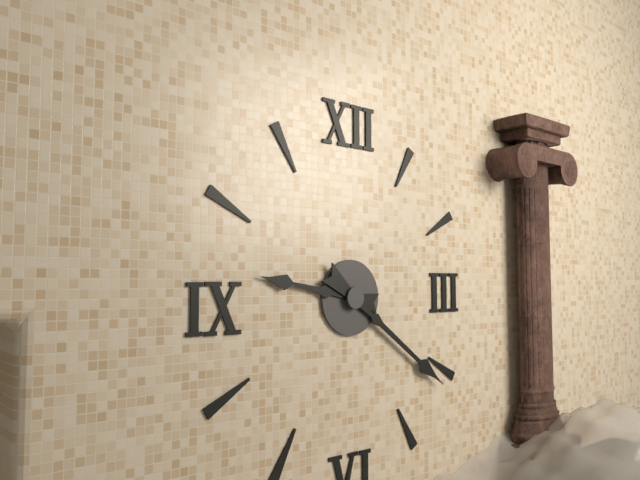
9 h 21 min
